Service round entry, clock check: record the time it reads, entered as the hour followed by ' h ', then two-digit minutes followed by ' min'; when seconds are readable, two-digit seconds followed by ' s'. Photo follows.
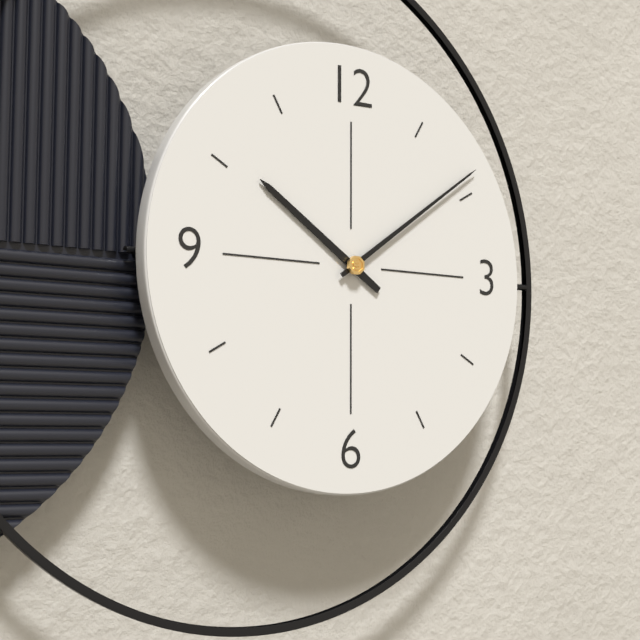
10 h 09 min
